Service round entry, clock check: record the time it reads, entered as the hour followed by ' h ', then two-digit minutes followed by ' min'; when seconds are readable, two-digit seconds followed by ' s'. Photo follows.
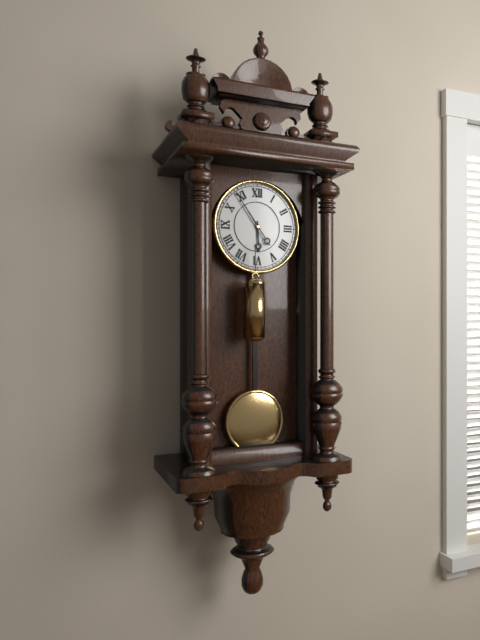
5 h 54 min
